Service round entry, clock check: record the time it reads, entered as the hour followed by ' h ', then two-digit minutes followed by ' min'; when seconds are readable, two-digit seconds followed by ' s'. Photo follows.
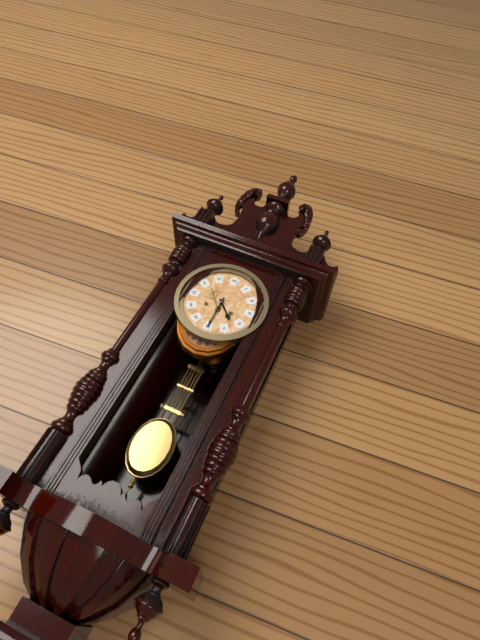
4 h 30 min
